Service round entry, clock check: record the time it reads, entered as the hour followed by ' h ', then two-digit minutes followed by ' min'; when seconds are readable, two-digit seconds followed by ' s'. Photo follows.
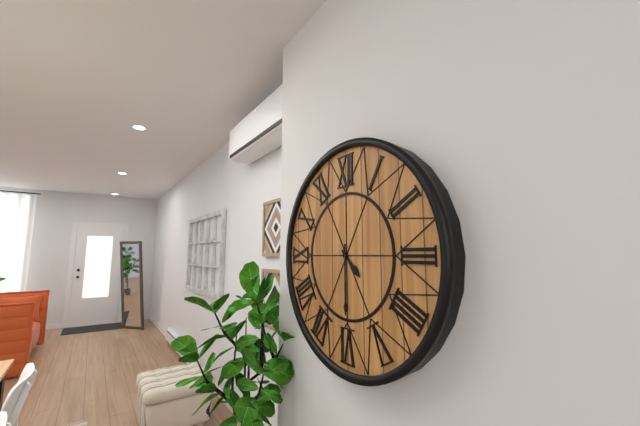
4 h 30 min
